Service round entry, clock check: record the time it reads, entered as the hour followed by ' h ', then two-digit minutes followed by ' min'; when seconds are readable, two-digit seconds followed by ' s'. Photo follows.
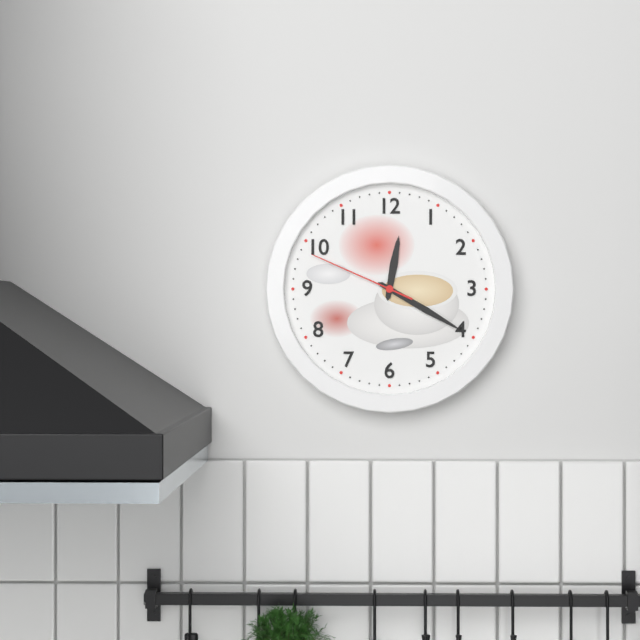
12 h 20 min 49 s
